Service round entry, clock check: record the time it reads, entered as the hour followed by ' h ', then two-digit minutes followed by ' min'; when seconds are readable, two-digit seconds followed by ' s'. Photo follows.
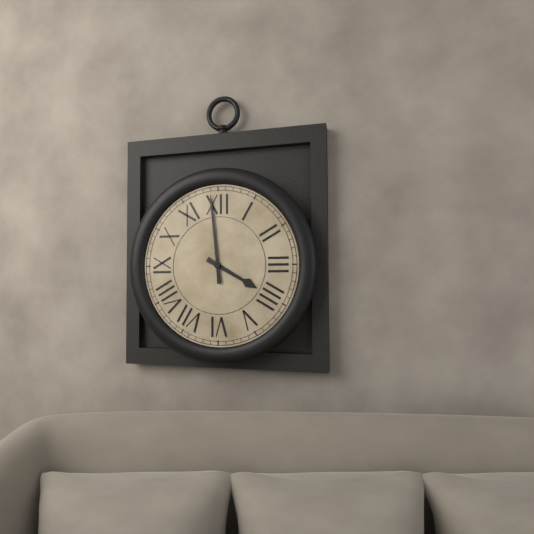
3 h 59 min
